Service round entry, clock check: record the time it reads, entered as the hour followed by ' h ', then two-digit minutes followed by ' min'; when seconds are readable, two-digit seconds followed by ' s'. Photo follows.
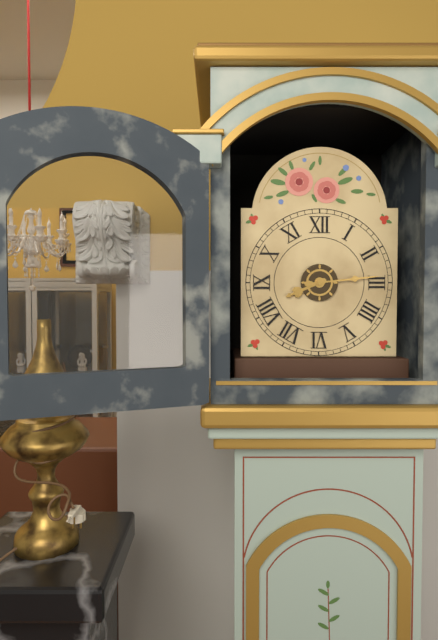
8 h 14 min
